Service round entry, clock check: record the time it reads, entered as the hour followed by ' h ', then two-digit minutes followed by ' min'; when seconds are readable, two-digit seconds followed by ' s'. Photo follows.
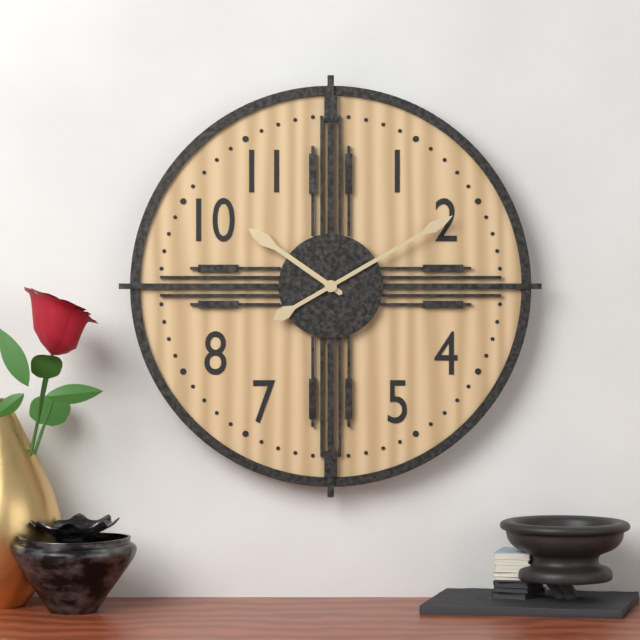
10 h 10 min
